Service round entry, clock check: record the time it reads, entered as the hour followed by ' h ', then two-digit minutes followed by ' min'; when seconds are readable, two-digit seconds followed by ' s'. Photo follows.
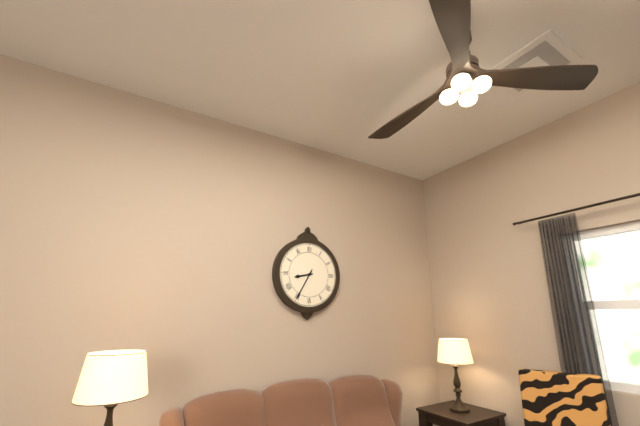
8 h 35 min
